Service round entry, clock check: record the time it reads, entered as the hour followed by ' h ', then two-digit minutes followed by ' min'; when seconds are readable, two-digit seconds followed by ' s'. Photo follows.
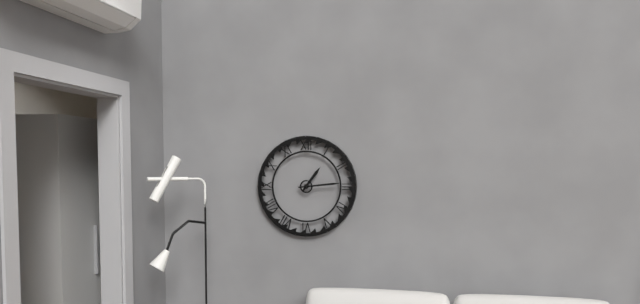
1 h 14 min
